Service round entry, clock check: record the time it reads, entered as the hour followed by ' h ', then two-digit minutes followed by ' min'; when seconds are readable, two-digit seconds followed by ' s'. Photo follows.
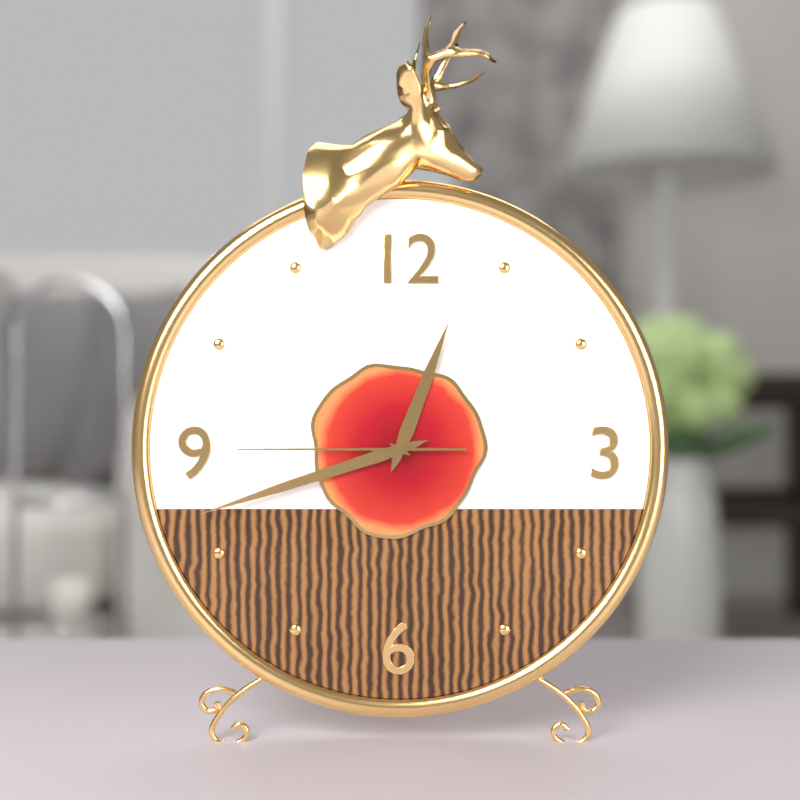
12 h 42 min 45 s
